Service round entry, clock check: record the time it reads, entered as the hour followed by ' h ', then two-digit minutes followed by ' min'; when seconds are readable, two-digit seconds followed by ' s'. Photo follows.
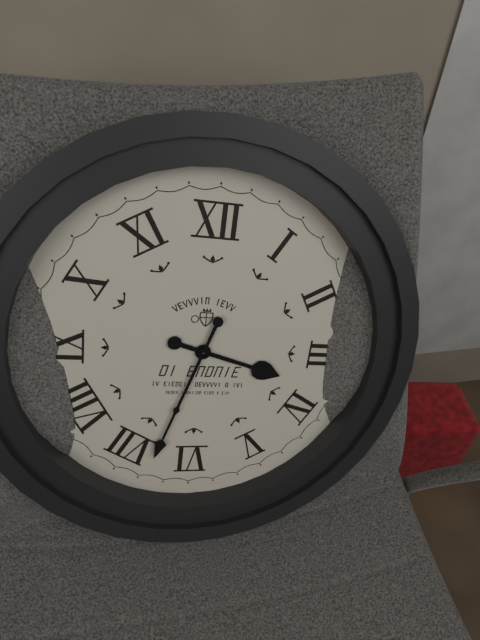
3 h 33 min
